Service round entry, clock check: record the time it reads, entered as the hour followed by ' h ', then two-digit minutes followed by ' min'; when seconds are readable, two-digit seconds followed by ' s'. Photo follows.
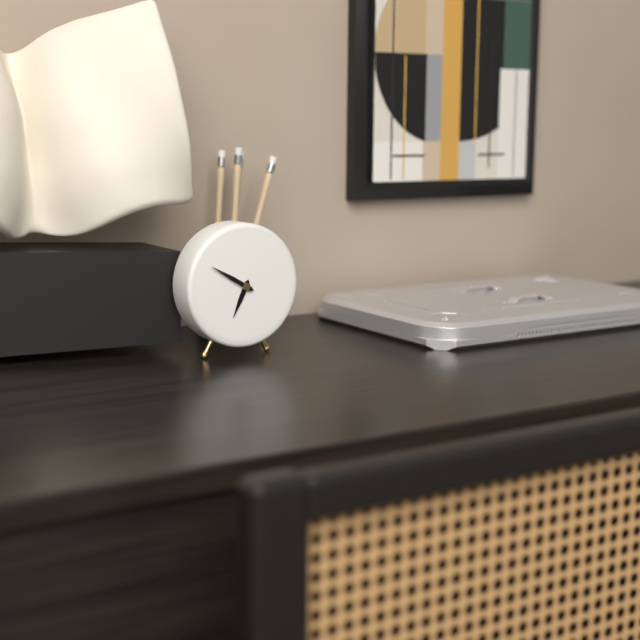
6 h 50 min
